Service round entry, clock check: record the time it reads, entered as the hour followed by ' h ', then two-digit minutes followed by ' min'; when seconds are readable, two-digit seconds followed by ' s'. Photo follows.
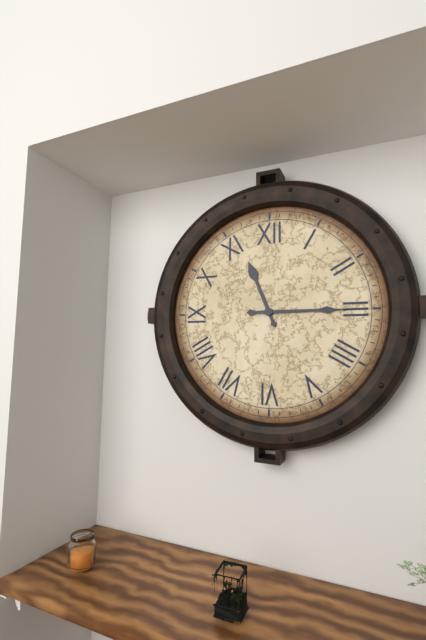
11 h 15 min
